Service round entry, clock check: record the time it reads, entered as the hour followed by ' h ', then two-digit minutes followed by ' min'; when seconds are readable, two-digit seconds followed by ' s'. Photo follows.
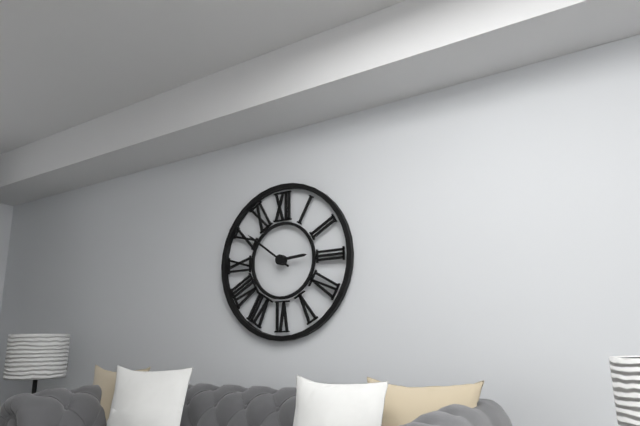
2 h 51 min
